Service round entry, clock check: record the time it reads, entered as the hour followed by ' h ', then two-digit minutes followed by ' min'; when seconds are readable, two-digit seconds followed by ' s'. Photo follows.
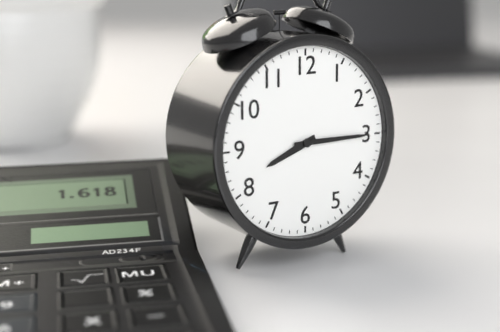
8 h 15 min
